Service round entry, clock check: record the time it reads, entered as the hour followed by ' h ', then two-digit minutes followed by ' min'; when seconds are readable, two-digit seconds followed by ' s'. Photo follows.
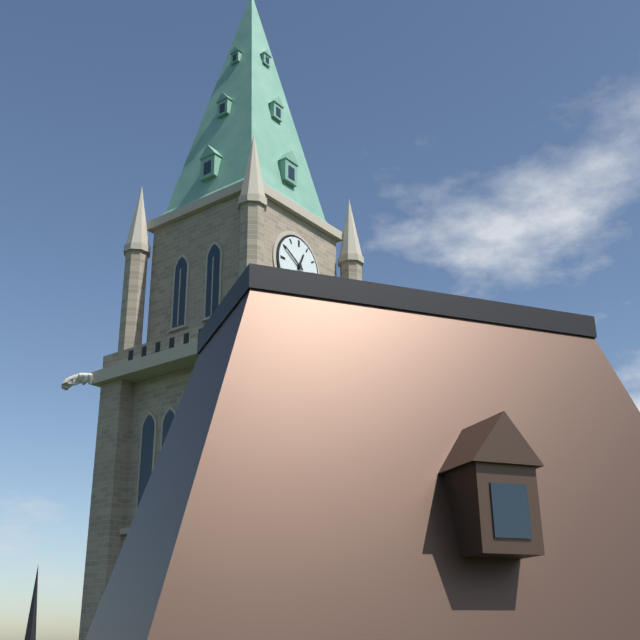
12 h 50 min
